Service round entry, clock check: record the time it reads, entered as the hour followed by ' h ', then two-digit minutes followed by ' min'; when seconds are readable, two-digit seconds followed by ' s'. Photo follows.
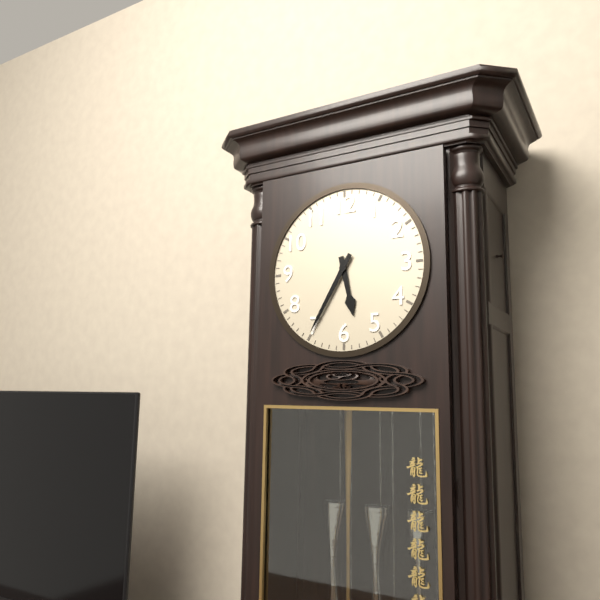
5 h 35 min
